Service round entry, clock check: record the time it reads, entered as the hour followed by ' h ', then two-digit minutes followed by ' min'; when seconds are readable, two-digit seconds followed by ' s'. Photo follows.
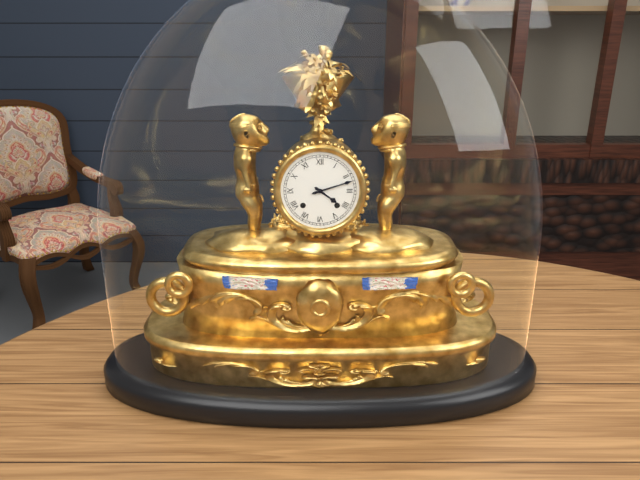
4 h 12 min
